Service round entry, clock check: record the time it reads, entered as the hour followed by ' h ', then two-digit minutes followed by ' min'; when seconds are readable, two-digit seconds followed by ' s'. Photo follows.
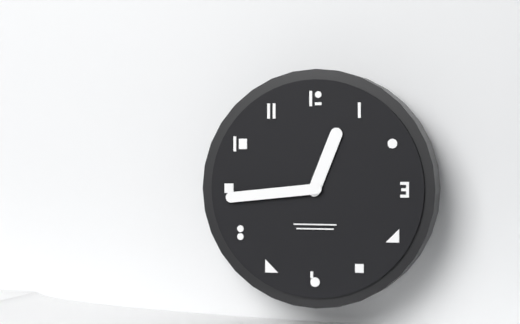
12 h 44 min
